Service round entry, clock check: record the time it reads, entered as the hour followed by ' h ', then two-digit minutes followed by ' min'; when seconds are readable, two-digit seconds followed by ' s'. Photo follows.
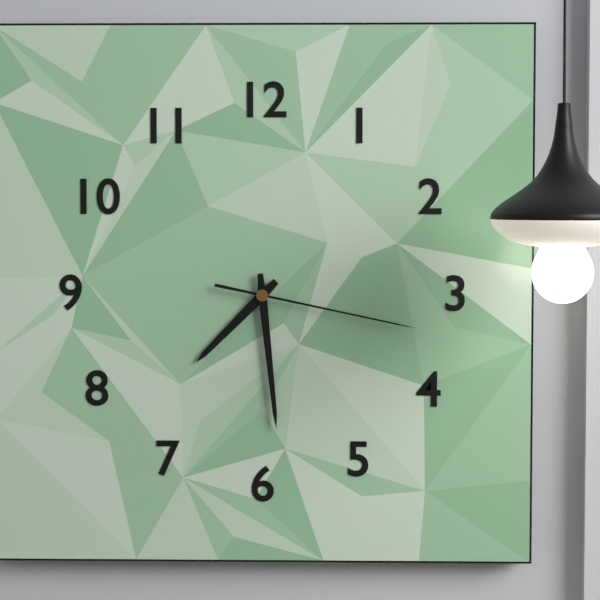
7 h 29 min 17 s
